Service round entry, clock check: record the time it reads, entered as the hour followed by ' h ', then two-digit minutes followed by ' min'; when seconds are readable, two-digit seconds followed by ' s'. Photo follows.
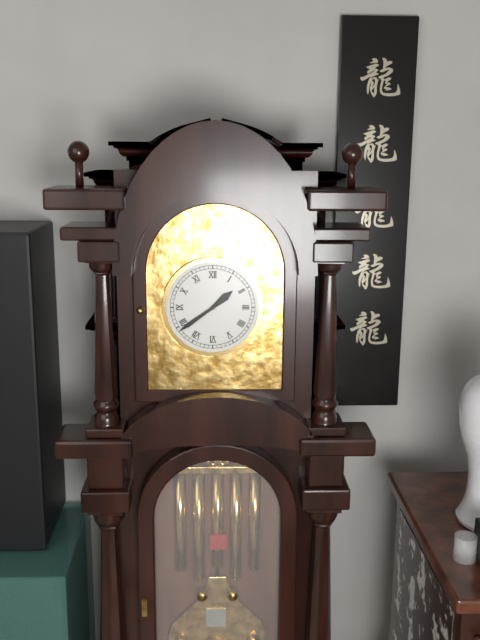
1 h 39 min
